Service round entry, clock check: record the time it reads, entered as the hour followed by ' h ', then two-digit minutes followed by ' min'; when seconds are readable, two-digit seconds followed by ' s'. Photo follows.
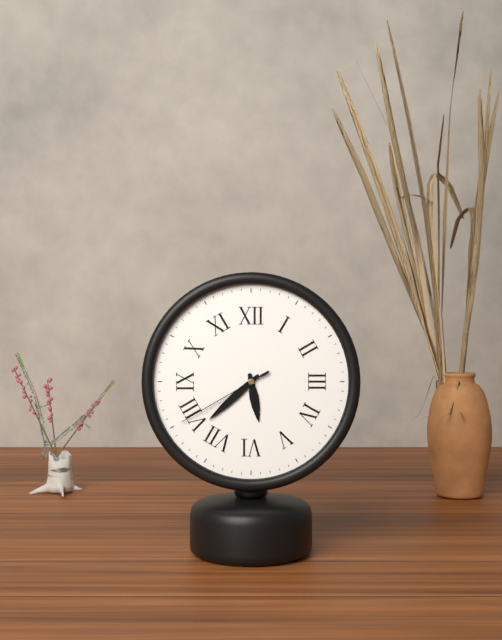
5 h 38 min 40 s
